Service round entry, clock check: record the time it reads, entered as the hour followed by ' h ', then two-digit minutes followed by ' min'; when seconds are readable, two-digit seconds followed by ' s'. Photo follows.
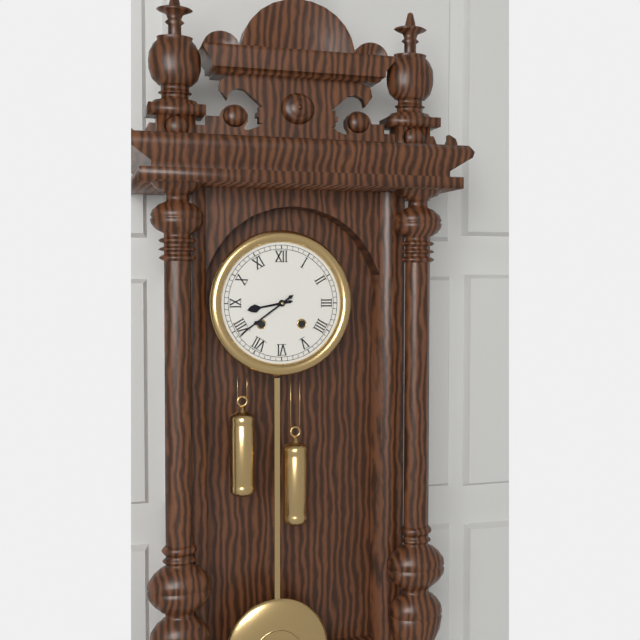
8 h 39 min
